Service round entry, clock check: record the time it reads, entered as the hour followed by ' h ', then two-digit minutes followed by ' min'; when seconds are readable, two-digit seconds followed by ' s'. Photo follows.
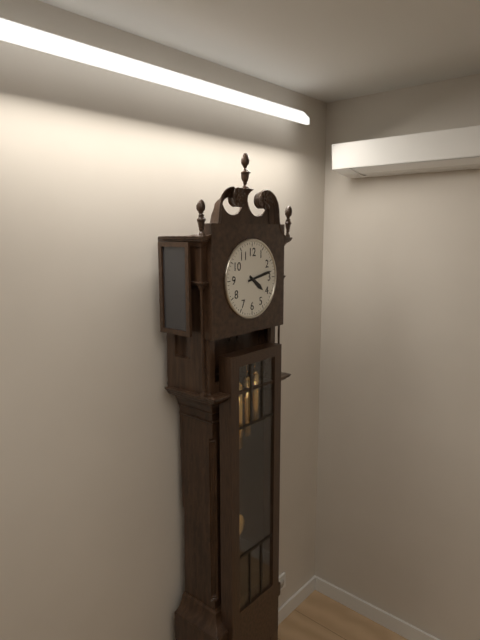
4 h 13 min
